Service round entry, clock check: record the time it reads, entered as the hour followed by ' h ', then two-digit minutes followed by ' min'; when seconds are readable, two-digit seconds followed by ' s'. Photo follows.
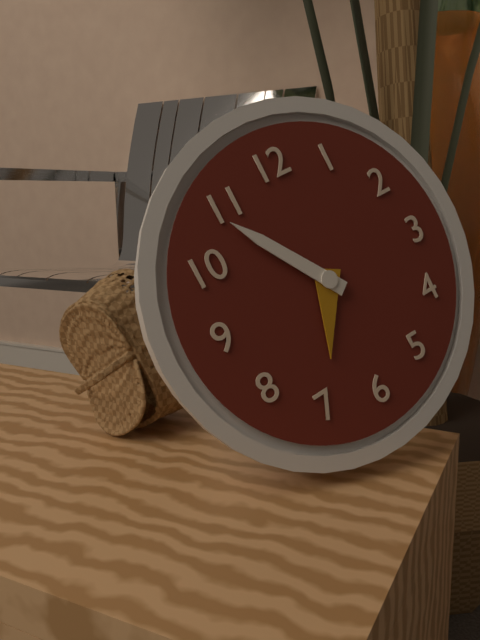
6 h 54 min
